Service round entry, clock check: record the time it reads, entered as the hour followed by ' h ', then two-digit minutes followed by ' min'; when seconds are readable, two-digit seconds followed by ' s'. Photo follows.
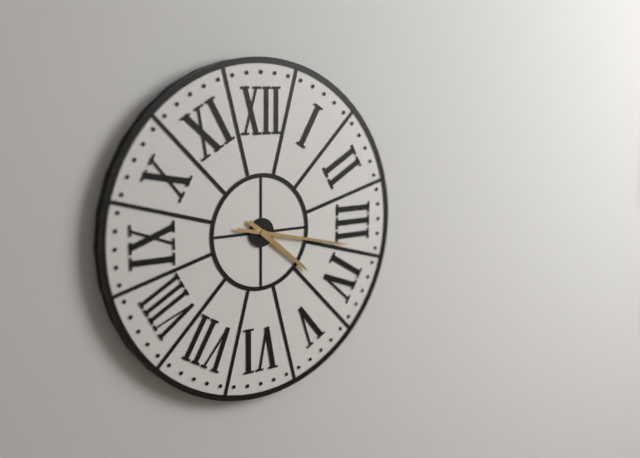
4 h 17 min
